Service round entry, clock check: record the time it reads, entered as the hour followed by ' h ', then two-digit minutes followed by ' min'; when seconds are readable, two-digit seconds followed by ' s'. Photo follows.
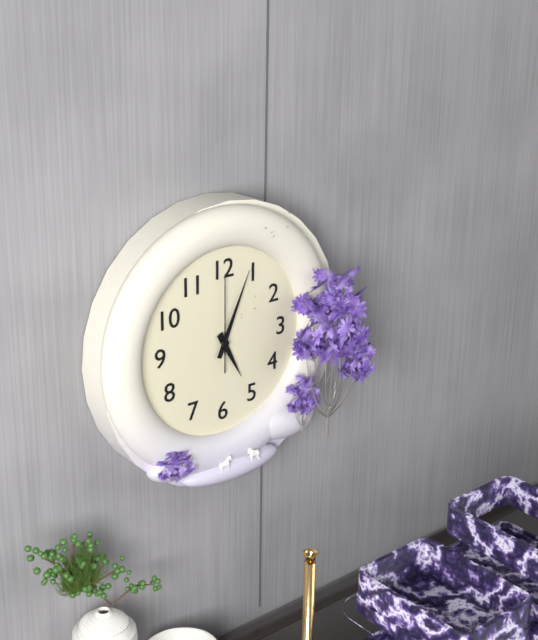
5 h 04 min 00 s
